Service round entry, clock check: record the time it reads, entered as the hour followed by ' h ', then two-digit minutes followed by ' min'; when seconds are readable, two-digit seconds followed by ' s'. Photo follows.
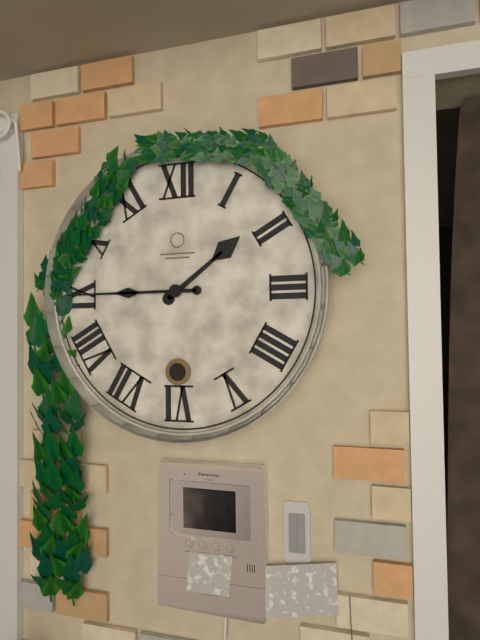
1 h 45 min
